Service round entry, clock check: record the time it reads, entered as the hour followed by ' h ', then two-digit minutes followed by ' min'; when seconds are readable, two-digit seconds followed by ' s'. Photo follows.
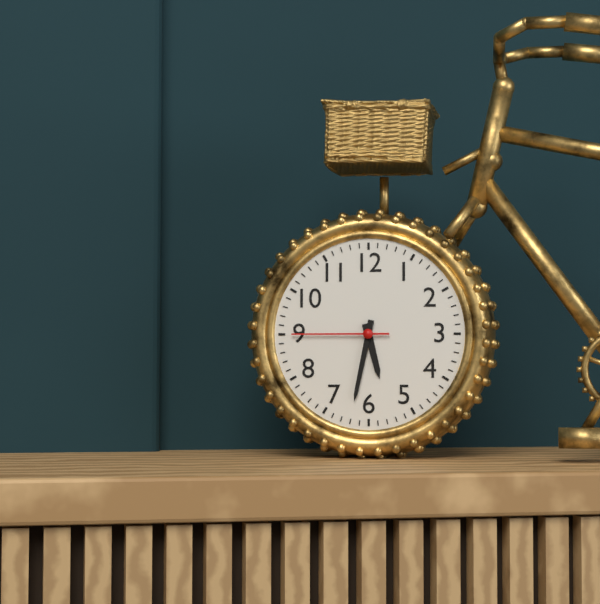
5 h 32 min 45 s
